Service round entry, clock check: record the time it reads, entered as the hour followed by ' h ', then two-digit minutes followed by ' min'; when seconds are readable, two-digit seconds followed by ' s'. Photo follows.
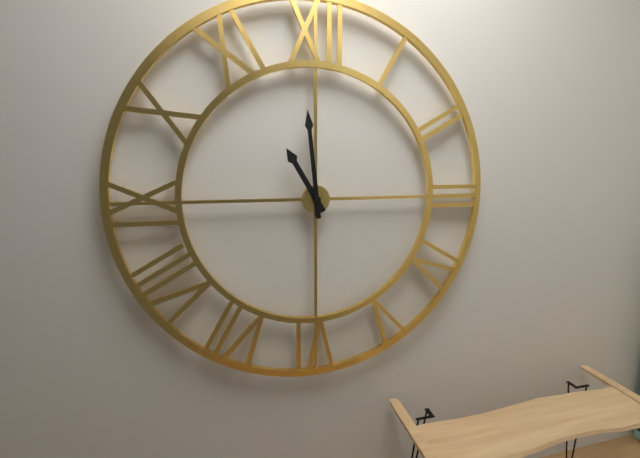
10 h 59 min
